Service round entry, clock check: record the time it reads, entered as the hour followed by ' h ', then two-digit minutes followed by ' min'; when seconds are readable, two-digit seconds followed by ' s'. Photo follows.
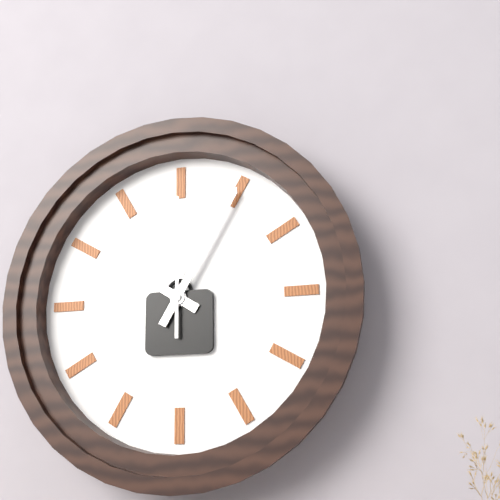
10 h 05 min 00 s
